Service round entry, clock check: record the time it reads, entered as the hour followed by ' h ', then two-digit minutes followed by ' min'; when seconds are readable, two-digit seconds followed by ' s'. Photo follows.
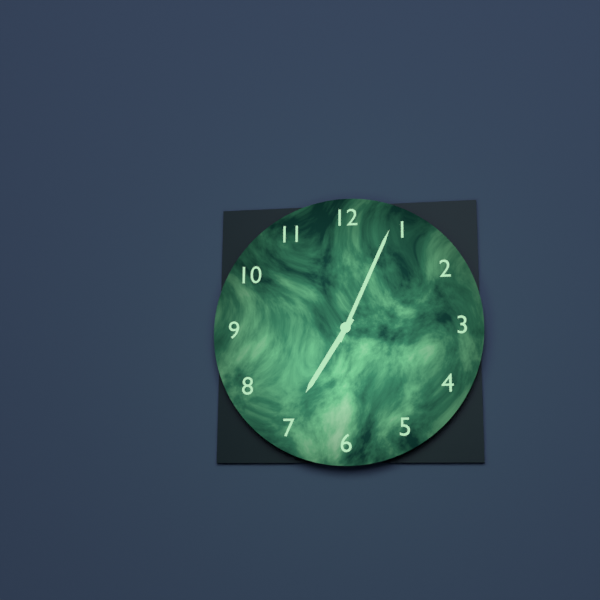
7 h 04 min
